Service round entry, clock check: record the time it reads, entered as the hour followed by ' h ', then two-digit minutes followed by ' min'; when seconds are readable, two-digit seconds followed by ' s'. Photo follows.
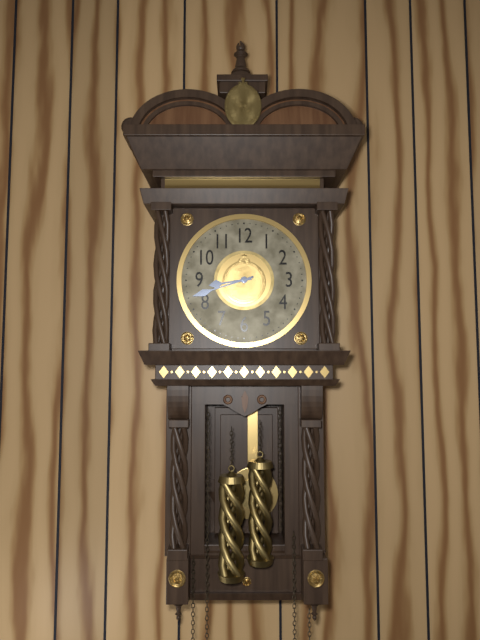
8 h 42 min
